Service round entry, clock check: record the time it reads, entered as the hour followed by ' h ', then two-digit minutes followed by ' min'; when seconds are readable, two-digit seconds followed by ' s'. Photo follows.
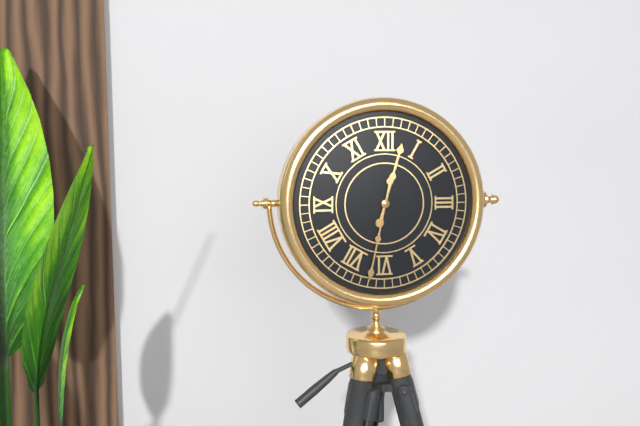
12 h 32 min
